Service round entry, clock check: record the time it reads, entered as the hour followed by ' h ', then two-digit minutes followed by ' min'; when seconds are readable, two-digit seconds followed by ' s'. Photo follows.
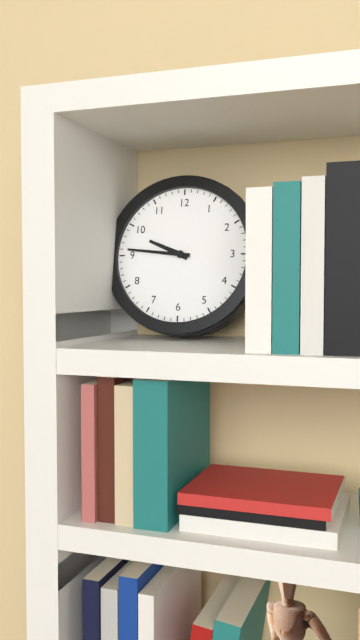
9 h 46 min
